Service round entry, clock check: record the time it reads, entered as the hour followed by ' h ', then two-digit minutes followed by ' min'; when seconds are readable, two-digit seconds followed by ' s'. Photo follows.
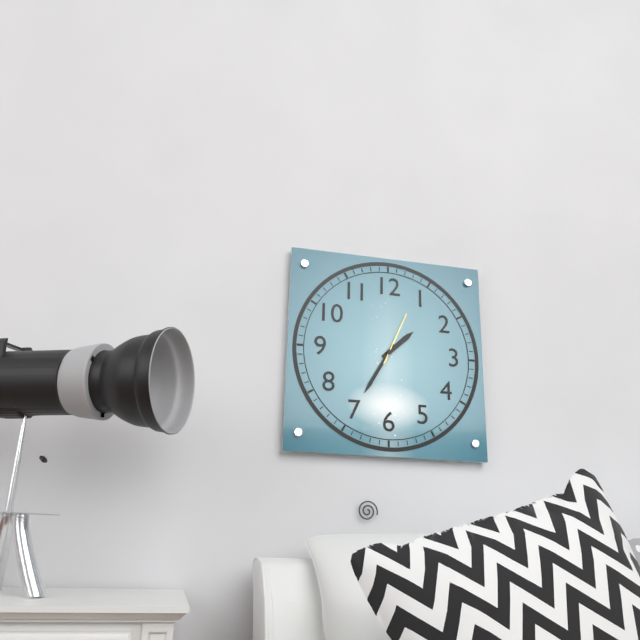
1 h 35 min 04 s
